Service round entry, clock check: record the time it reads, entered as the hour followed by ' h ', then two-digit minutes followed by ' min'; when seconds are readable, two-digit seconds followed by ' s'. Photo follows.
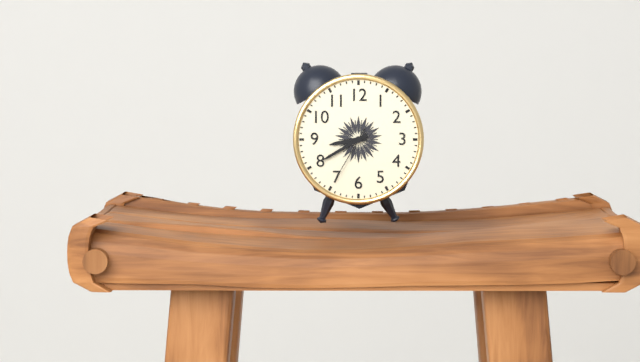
8 h 40 min 35 s
